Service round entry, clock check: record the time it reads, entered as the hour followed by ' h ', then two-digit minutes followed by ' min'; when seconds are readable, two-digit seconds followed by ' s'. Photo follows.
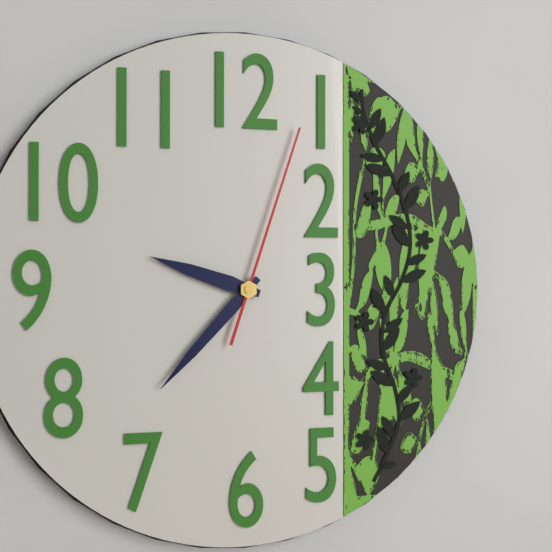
9 h 37 min 03 s
